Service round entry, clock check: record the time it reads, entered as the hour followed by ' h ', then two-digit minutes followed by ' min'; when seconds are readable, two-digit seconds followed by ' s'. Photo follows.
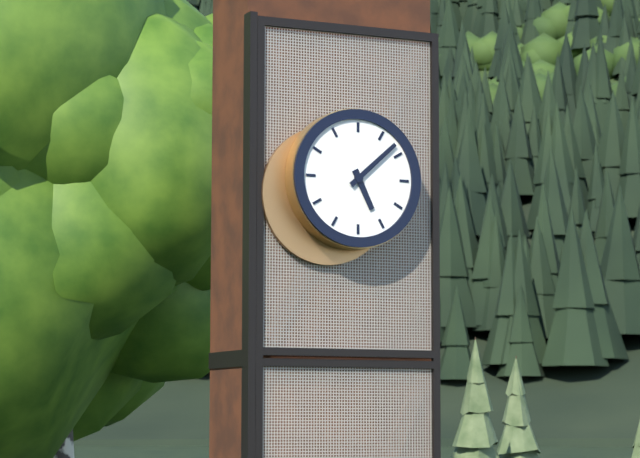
5 h 08 min
